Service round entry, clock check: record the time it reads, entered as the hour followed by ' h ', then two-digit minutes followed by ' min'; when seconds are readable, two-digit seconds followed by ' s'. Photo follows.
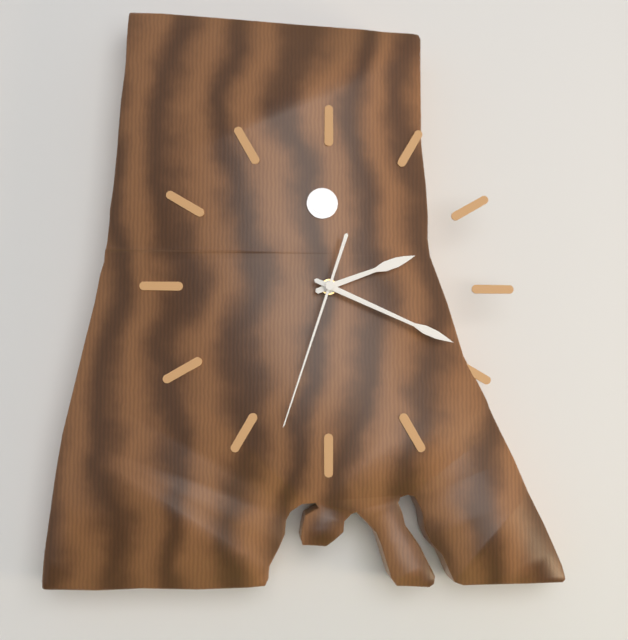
2 h 19 min 33 s
